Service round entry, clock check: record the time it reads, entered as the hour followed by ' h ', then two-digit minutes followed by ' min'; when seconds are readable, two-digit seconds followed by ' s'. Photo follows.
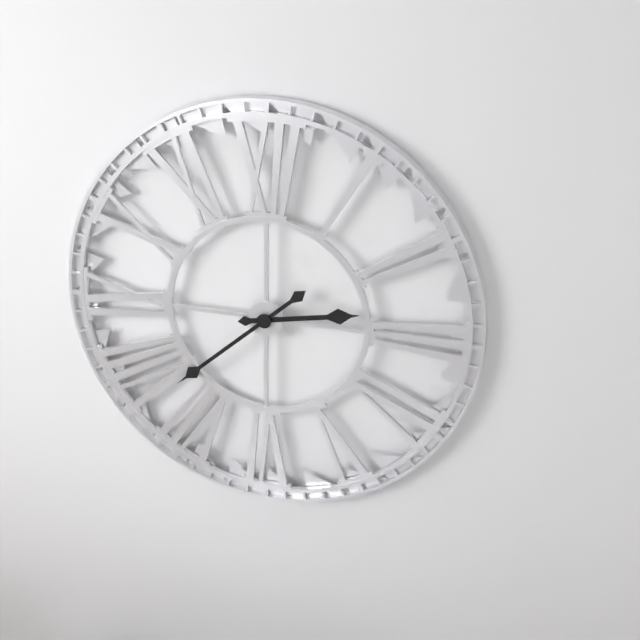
2 h 38 min
